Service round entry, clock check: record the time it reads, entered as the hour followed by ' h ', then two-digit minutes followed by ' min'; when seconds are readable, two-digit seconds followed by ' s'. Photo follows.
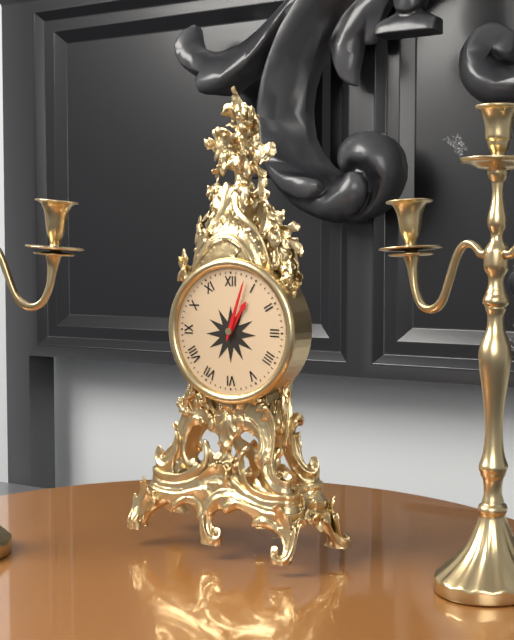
1 h 03 min
